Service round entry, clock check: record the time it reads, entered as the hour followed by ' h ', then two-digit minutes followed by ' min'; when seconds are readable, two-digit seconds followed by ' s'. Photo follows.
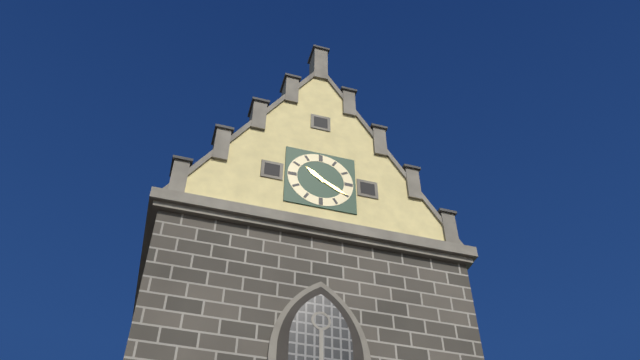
10 h 20 min
